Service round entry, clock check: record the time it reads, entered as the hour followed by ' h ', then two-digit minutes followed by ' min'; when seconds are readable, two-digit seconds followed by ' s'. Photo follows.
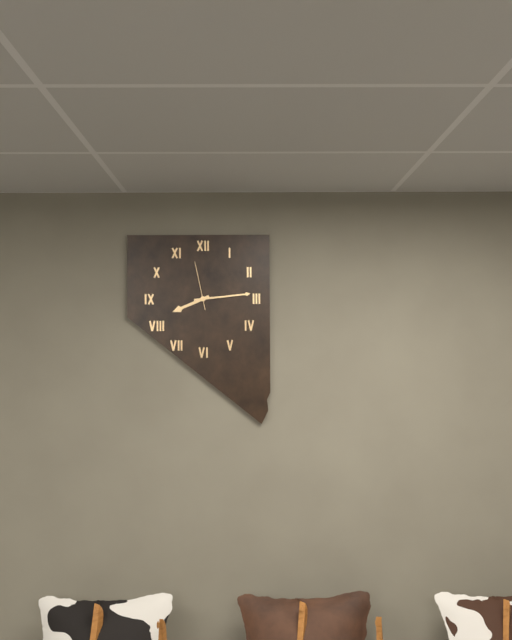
8 h 14 min
